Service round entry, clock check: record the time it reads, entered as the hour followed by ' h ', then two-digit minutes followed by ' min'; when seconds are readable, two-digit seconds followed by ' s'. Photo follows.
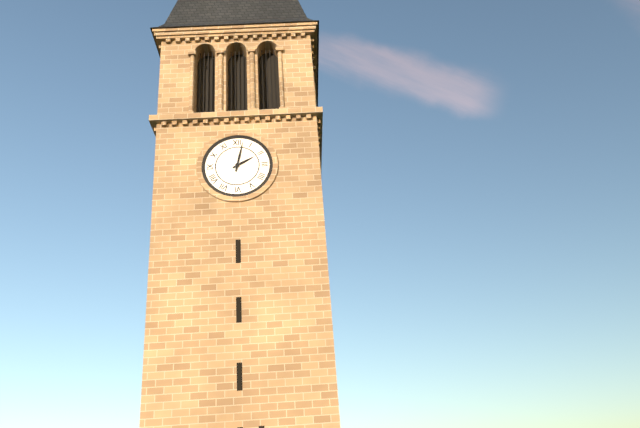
2 h 02 min
